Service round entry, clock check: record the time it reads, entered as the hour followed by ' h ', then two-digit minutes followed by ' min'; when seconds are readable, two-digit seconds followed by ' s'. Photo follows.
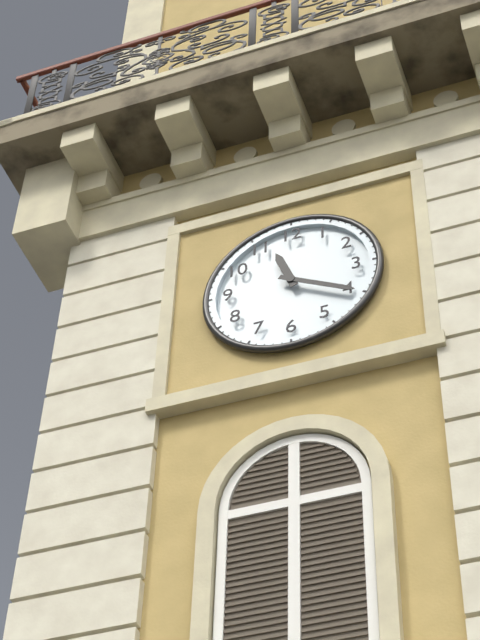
11 h 20 min
